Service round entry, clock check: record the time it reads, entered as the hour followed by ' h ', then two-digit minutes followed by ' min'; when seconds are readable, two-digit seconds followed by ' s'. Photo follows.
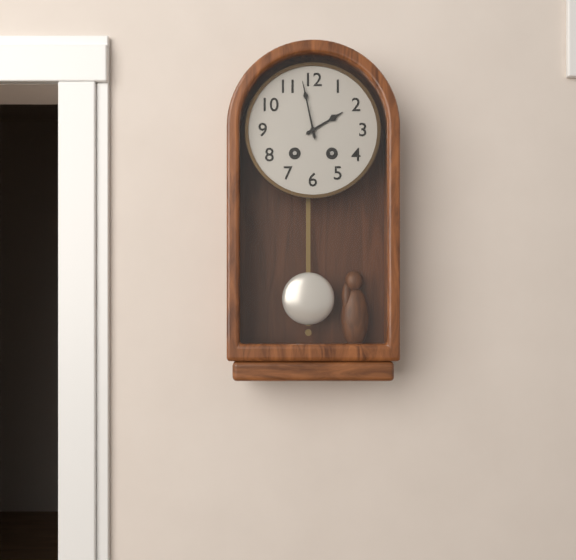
1 h 58 min
